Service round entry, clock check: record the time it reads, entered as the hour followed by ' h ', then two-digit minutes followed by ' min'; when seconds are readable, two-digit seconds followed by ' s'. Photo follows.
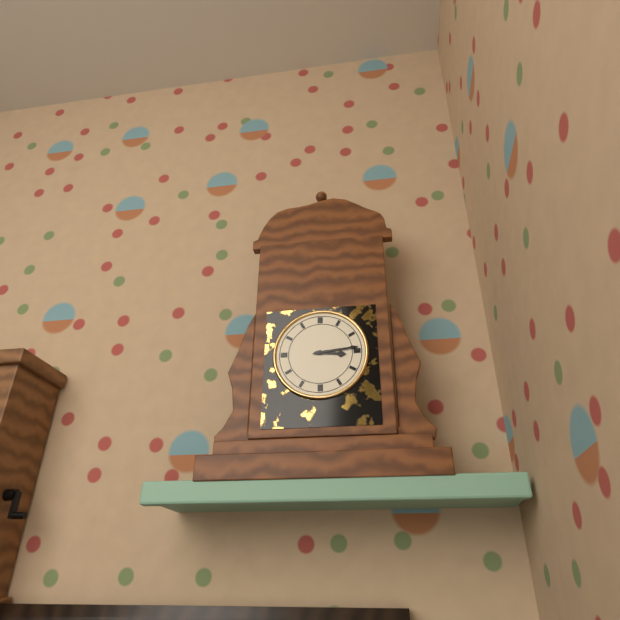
3 h 14 min
